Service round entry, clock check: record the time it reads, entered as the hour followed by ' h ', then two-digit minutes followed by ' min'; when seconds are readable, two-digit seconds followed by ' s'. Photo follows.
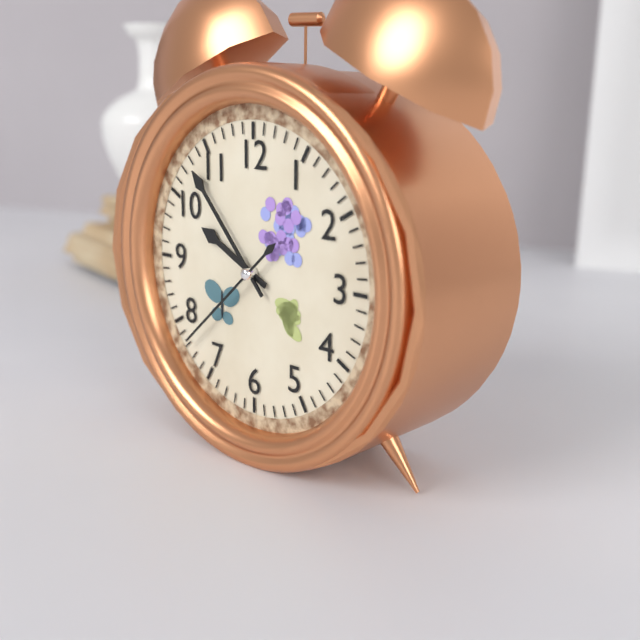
9 h 53 min 38 s
